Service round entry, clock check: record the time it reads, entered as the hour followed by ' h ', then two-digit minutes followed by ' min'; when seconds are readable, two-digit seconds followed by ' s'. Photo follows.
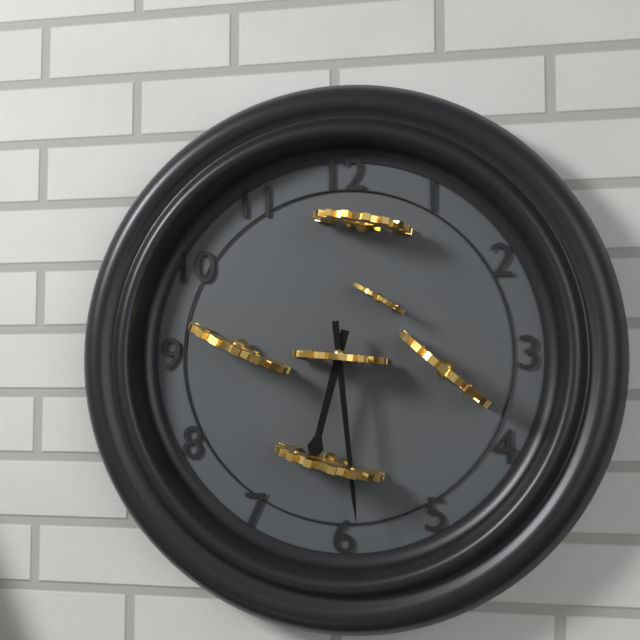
6 h 29 min
